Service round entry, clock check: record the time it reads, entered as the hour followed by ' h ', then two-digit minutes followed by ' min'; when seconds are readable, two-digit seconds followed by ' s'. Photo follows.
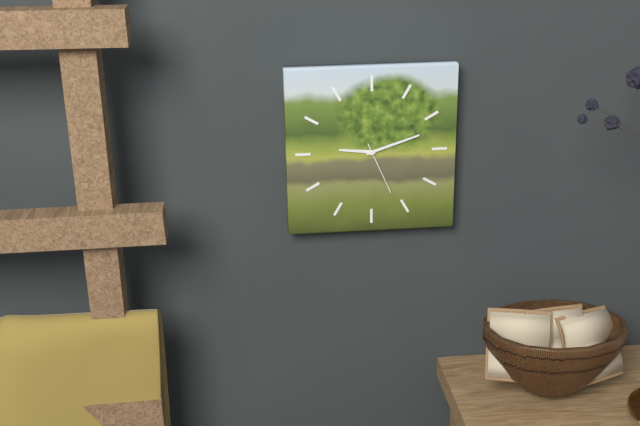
9 h 12 min 26 s
